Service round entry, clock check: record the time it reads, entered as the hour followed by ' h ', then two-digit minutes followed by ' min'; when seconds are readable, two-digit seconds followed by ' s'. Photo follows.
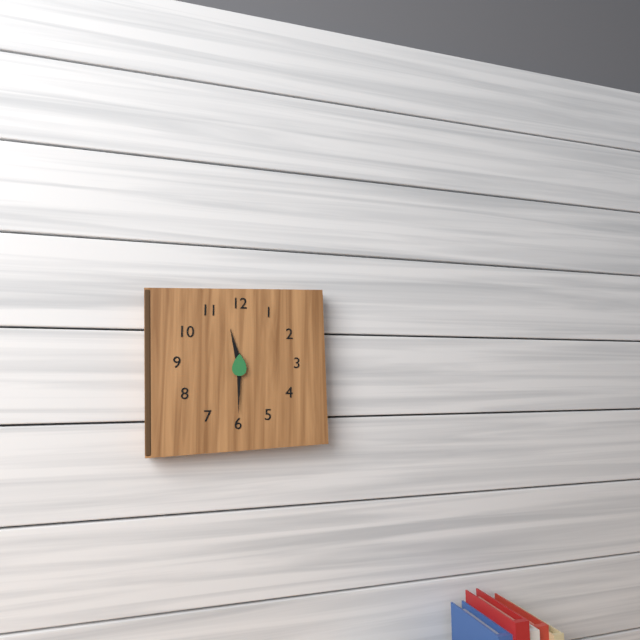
11 h 30 min
